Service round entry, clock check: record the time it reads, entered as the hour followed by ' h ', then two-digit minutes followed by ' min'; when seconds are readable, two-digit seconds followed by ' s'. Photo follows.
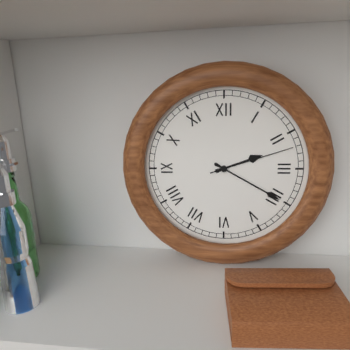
2 h 20 min 12 s
